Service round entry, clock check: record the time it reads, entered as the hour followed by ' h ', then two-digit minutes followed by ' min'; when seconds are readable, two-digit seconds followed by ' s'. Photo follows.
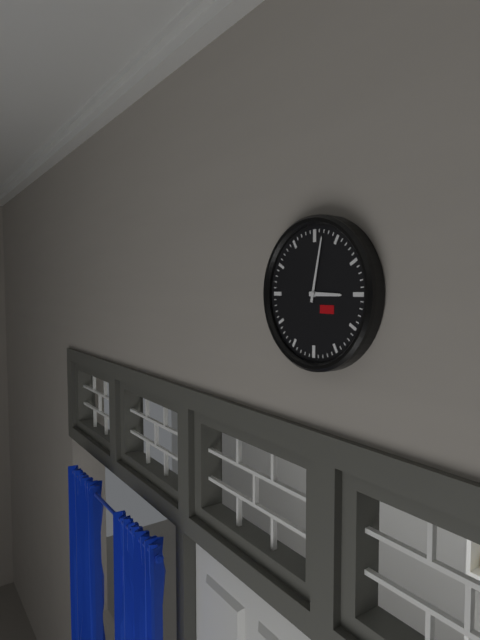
3 h 02 min
